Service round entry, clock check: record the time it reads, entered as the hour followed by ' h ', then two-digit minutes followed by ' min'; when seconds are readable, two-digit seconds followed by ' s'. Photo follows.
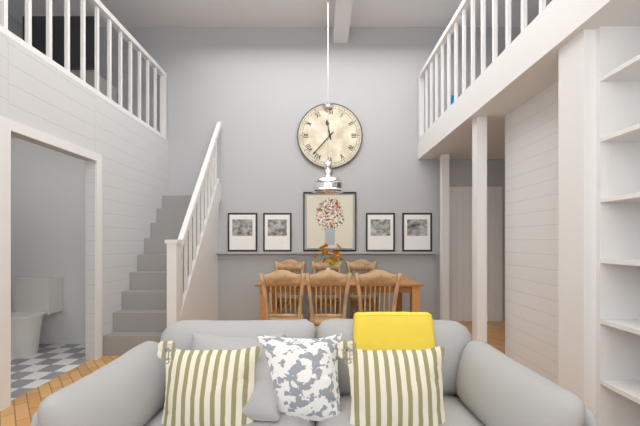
11 h 37 min
